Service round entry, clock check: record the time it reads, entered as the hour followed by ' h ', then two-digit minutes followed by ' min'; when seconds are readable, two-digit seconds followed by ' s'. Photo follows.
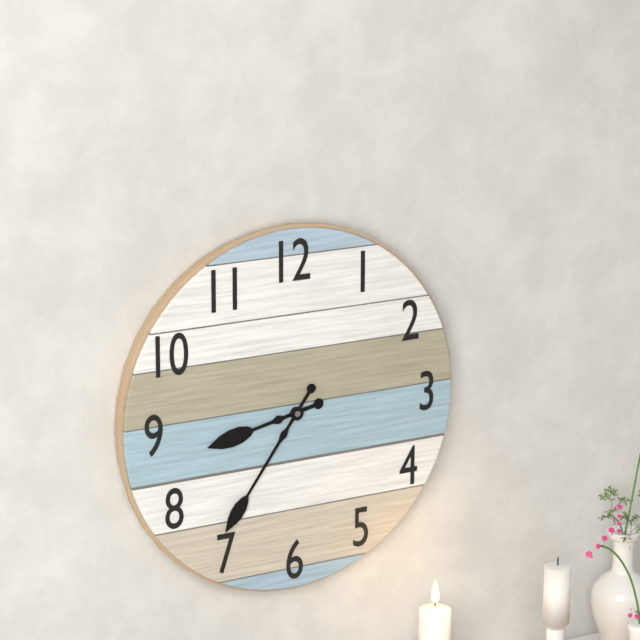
8 h 36 min
